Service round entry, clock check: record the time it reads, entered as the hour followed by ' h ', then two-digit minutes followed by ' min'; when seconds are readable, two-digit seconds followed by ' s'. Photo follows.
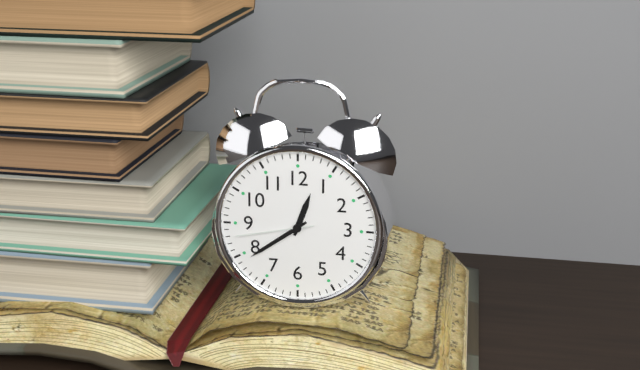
12 h 39 min 43 s
